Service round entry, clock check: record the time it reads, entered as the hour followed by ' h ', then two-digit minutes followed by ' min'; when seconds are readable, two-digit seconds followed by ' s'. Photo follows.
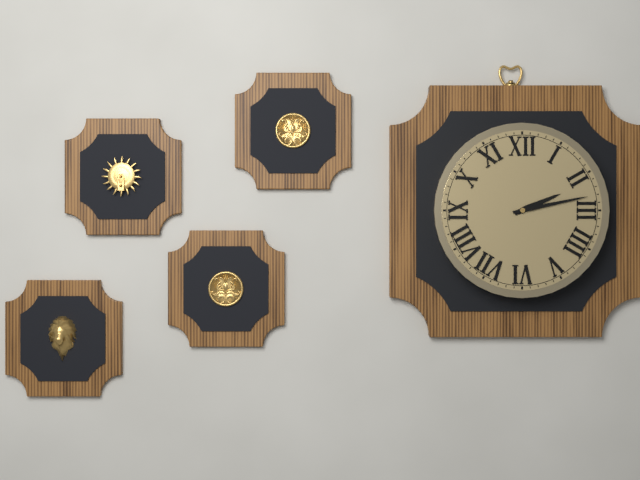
2 h 13 min
